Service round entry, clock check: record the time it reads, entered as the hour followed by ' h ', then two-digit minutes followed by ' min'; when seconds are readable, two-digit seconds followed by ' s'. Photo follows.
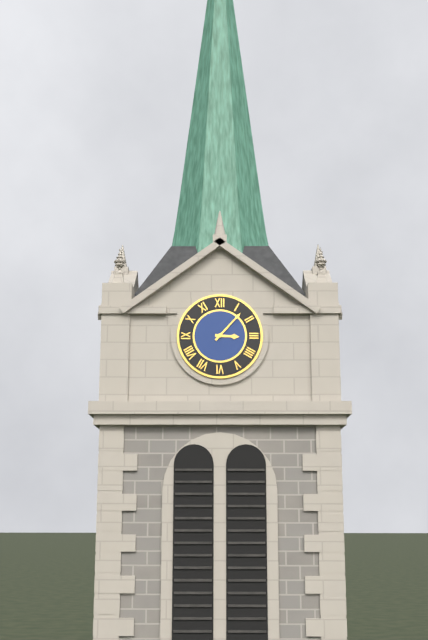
3 h 07 min
